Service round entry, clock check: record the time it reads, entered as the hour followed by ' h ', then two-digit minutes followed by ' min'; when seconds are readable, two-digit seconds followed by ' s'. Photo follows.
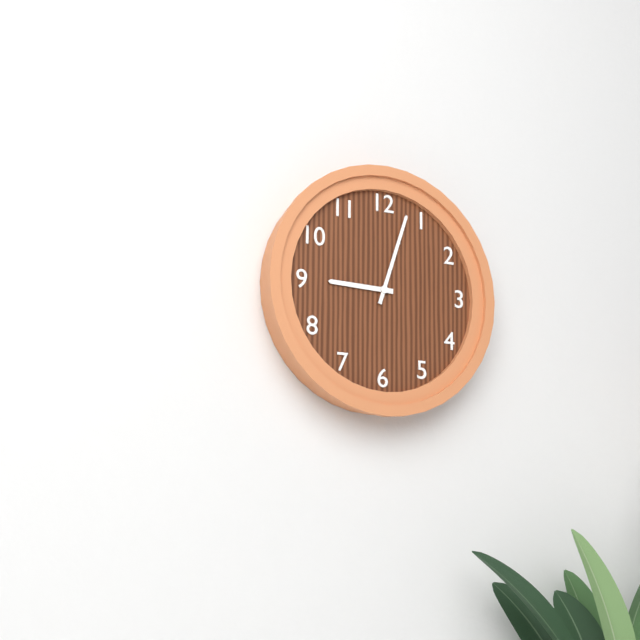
9 h 03 min
